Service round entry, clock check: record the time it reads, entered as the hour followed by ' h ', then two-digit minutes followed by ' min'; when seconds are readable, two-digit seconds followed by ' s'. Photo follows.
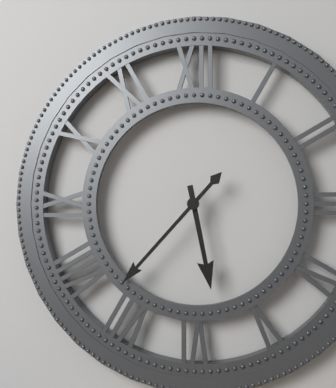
5 h 37 min
